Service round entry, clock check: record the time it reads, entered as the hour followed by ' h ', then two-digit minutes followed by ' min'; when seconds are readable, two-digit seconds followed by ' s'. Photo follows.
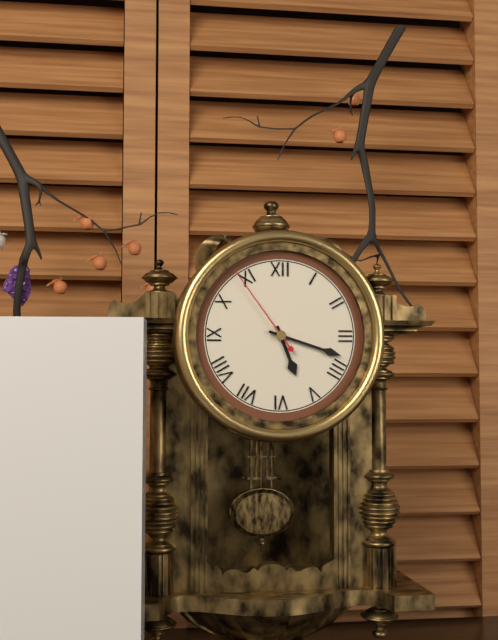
5 h 18 min 54 s
